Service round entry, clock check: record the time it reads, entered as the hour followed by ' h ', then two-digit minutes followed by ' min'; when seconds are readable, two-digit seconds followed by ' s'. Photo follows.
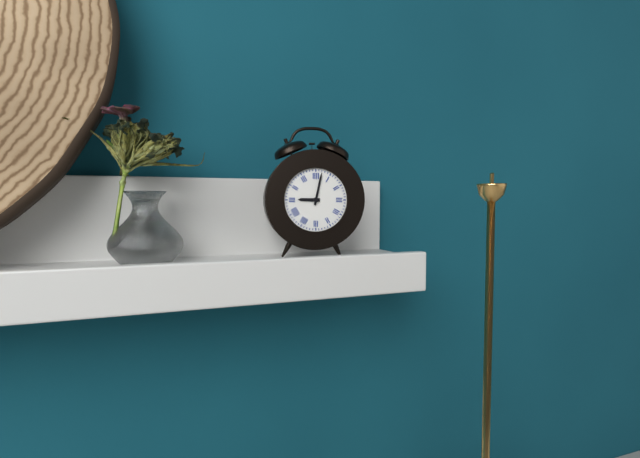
9 h 02 min
